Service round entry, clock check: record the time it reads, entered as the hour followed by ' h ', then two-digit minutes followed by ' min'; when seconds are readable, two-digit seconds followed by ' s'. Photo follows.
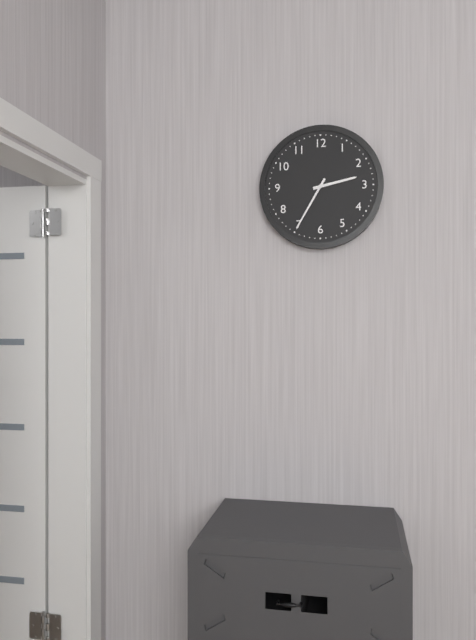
2 h 35 min
